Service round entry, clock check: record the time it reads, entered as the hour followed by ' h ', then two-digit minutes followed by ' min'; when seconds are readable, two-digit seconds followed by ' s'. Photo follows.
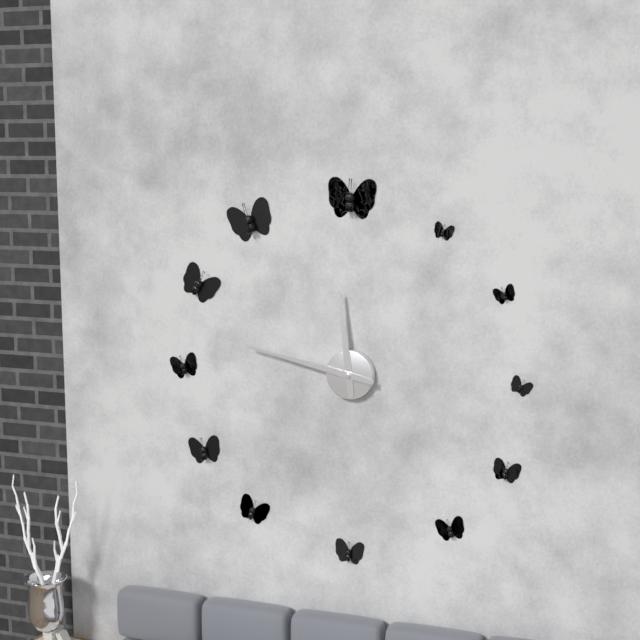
11 h 47 min
